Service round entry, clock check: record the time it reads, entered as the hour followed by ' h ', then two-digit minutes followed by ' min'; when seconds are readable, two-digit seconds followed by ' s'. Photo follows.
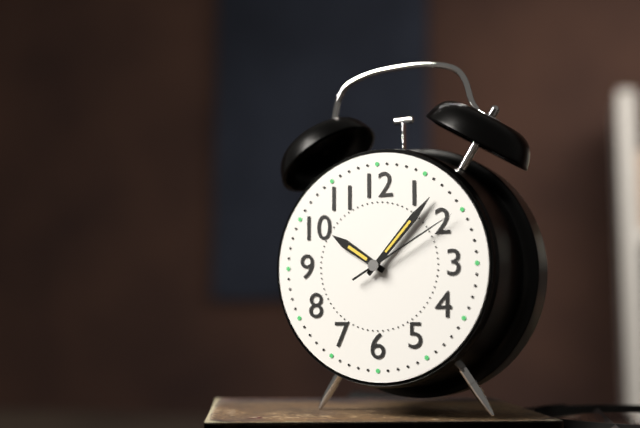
10 h 07 min 10 s
